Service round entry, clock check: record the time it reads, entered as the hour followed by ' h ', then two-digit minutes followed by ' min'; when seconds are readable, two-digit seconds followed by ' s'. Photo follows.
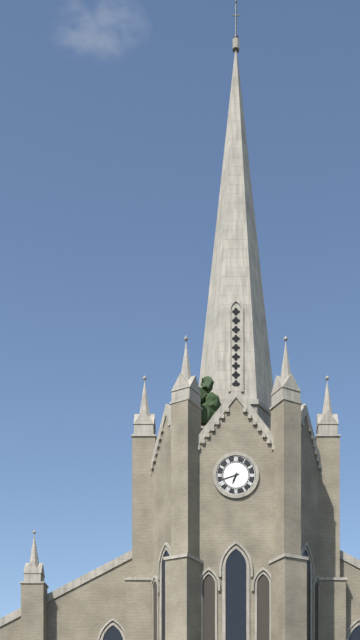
6 h 42 min
